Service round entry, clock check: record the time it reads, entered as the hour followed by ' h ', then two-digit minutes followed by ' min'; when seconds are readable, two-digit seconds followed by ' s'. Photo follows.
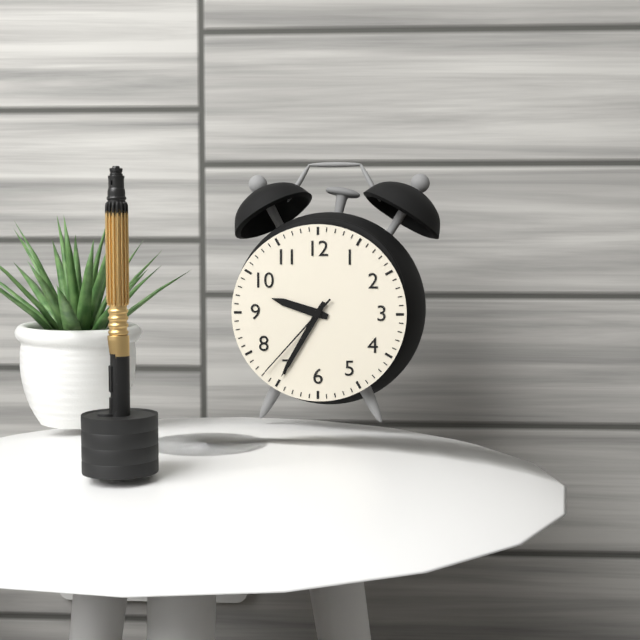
9 h 35 min 37 s
